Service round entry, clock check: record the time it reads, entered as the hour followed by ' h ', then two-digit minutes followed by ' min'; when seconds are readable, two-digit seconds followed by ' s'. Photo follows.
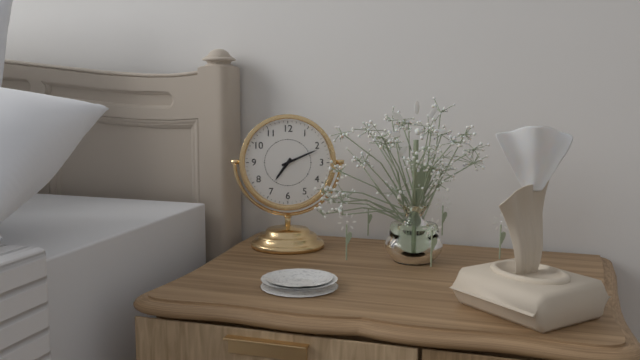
7 h 11 min
